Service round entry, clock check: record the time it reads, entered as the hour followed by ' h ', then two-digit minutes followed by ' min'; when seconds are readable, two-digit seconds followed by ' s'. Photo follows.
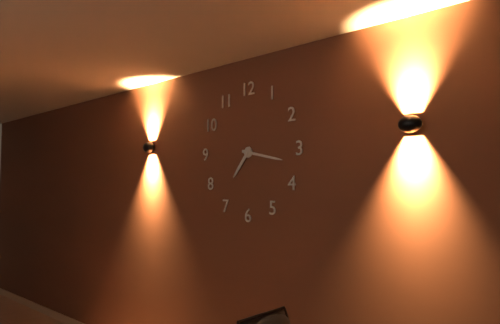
7 h 17 min
